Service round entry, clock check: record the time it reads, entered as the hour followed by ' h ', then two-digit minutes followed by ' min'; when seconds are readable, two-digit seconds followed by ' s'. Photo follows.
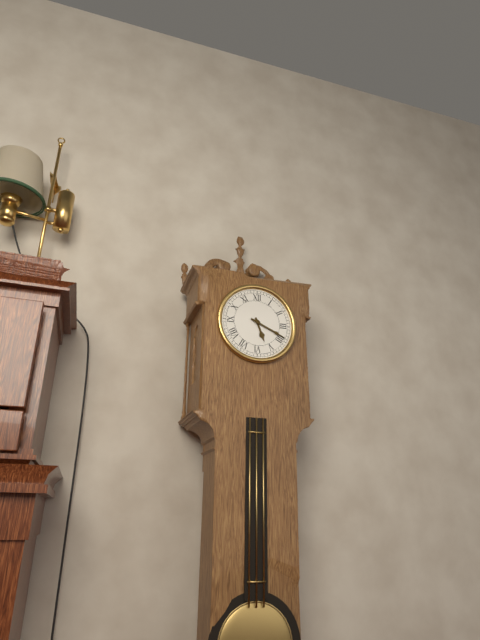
5 h 19 min
